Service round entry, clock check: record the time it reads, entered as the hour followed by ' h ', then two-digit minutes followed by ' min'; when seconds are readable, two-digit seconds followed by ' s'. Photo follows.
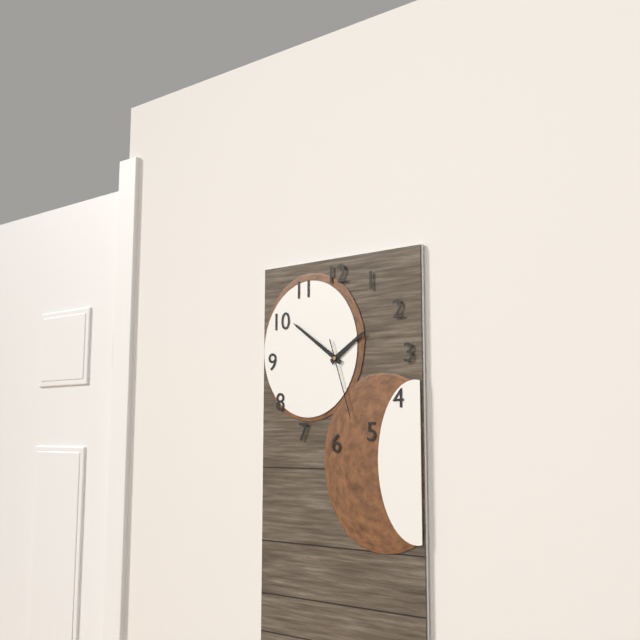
1 h 51 min 27 s
